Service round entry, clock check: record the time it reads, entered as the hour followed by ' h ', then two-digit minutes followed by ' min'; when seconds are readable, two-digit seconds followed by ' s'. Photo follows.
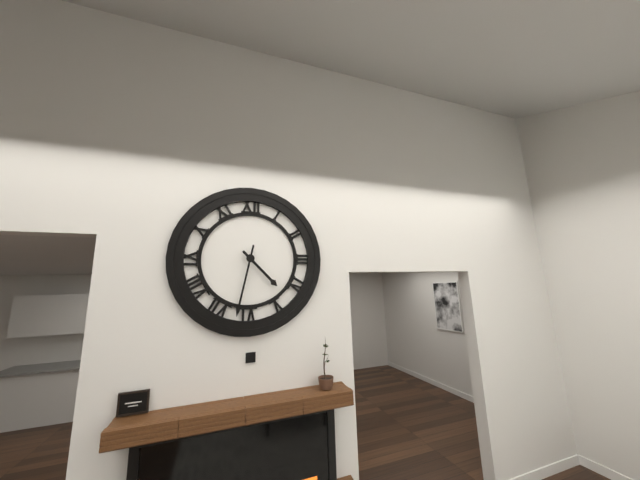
4 h 32 min
